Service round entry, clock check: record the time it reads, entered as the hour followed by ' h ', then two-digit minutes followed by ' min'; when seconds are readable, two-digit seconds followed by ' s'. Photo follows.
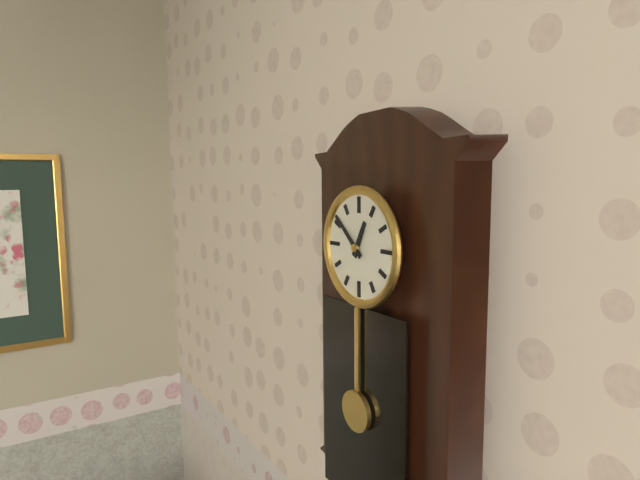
12 h 52 min
